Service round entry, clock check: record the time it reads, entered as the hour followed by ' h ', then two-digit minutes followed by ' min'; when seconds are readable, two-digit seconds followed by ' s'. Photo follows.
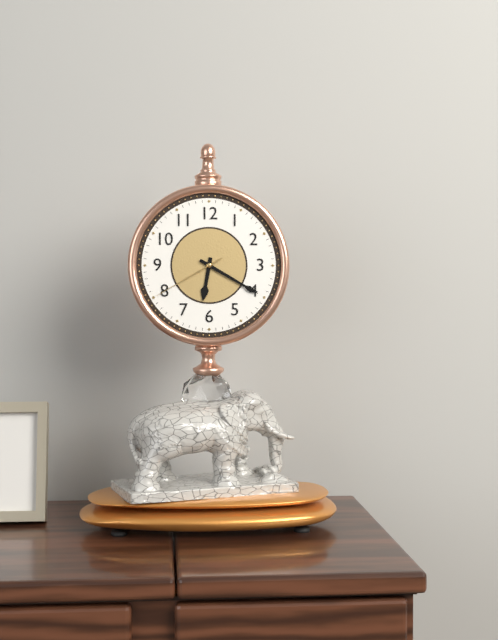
6 h 20 min 40 s
